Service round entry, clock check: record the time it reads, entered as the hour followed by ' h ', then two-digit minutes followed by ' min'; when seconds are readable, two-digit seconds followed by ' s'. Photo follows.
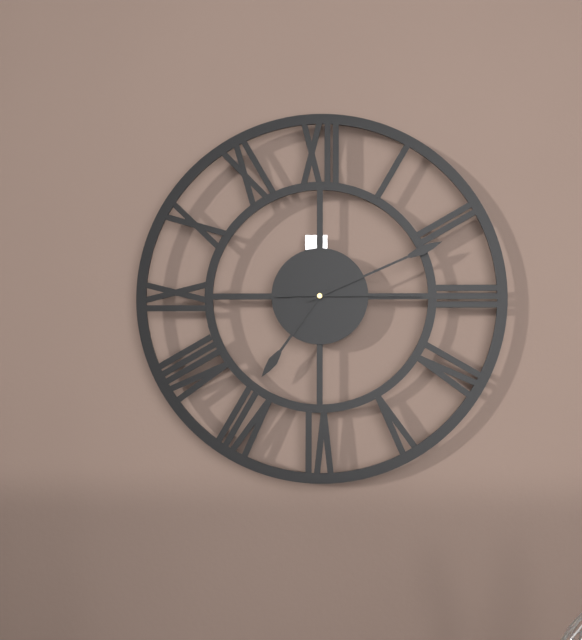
7 h 11 min 15 s
